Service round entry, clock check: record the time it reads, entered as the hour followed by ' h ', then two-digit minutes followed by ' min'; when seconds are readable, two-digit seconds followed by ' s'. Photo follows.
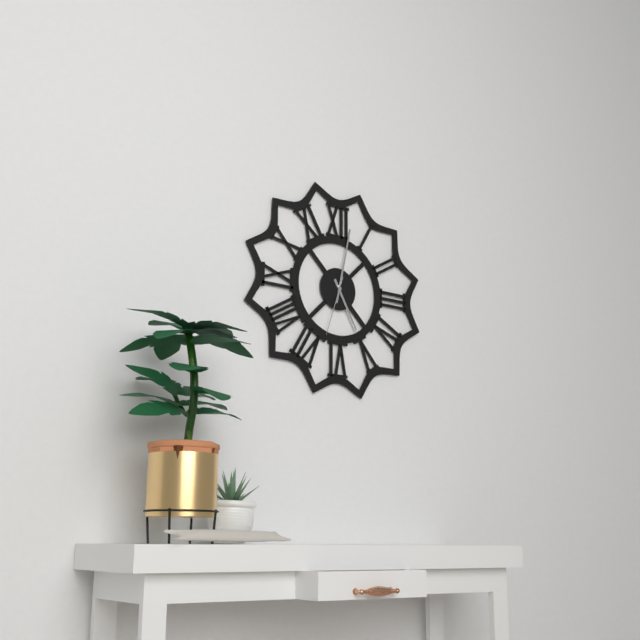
5 h 02 min 33 s
